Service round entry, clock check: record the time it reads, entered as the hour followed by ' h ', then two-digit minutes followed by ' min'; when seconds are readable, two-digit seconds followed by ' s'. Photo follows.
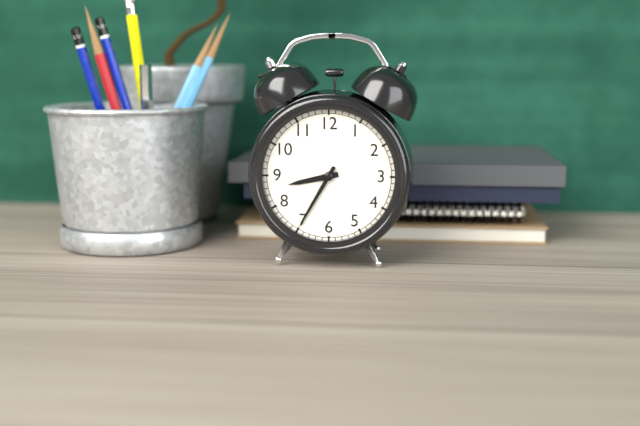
8 h 35 min
